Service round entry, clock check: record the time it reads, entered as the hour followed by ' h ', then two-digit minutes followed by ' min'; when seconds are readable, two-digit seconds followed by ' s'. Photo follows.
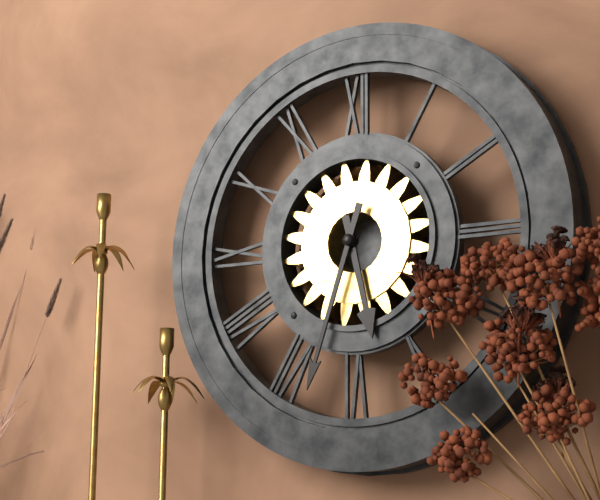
5 h 33 min
